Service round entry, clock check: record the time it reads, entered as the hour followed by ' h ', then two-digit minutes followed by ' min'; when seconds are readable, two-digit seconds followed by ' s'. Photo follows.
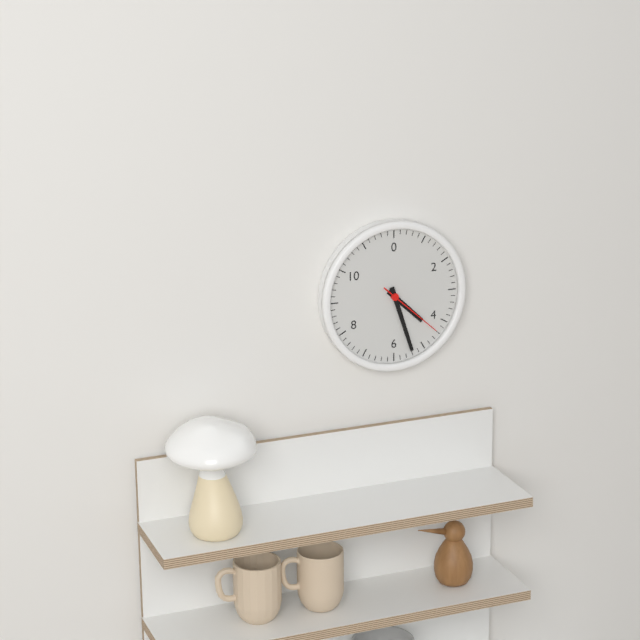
4 h 27 min 22 s
